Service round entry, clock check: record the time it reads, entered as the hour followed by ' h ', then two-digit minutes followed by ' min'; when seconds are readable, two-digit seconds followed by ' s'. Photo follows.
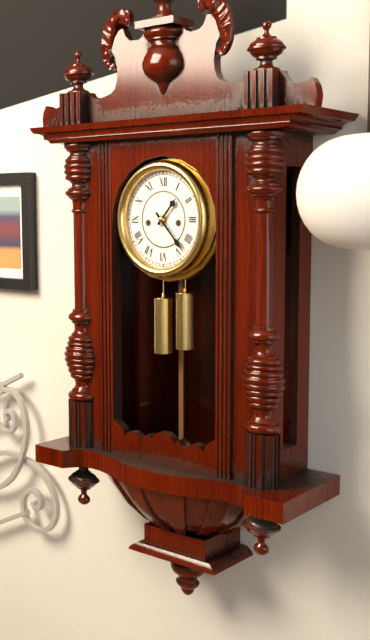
1 h 23 min
